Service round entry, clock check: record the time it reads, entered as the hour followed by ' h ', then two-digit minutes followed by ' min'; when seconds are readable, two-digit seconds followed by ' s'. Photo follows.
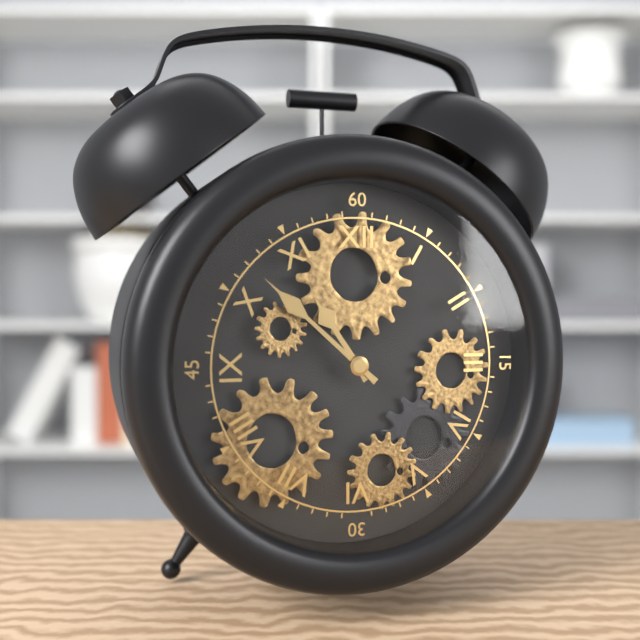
10 h 52 min
